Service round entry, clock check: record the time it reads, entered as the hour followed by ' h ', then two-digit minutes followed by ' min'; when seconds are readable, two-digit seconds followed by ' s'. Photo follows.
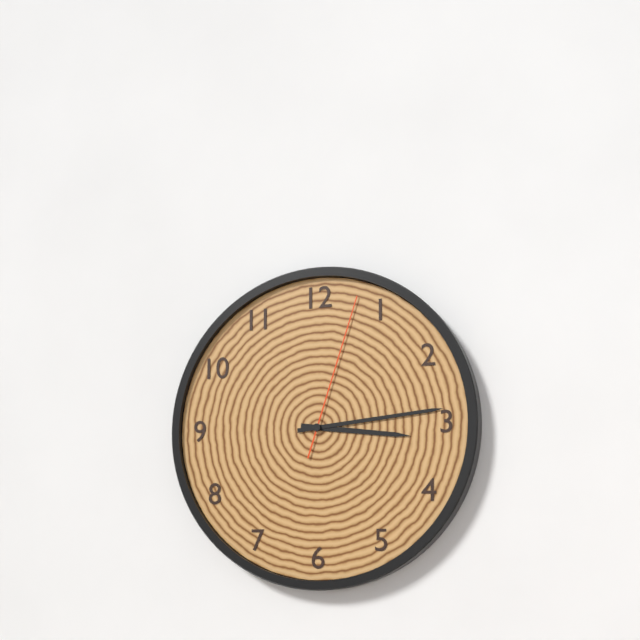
3 h 14 min 03 s
